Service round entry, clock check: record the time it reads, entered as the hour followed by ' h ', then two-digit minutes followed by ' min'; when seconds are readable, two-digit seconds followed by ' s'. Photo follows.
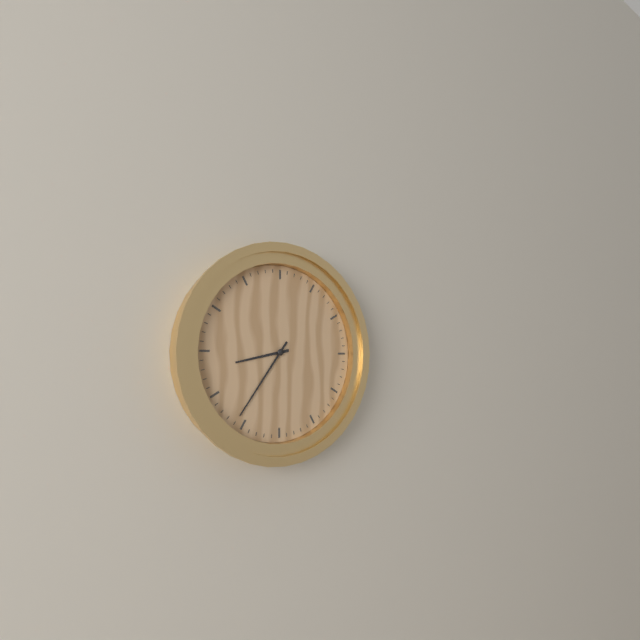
8 h 36 min
